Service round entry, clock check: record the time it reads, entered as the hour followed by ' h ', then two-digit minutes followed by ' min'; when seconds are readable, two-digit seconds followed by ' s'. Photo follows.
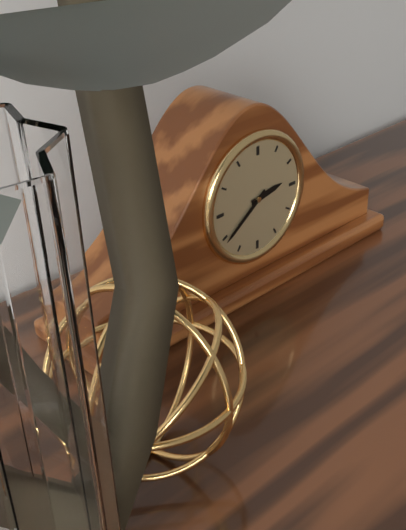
2 h 39 min
